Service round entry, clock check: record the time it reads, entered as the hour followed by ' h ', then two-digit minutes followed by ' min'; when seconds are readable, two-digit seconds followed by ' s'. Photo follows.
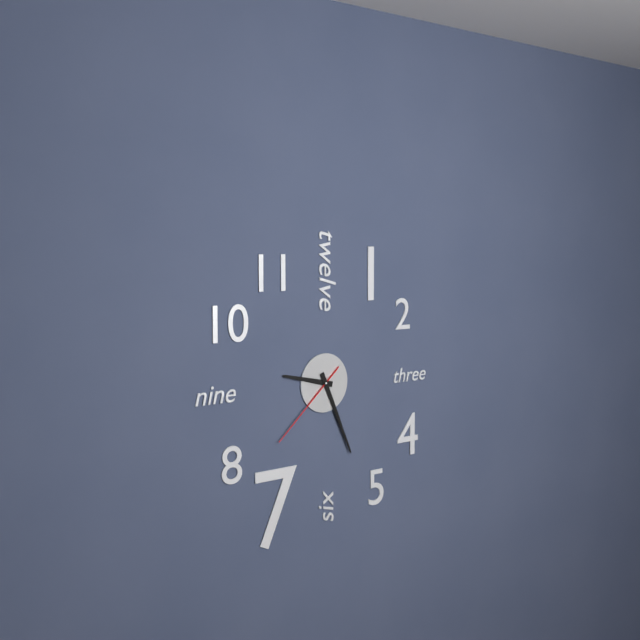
9 h 26 min 38 s
